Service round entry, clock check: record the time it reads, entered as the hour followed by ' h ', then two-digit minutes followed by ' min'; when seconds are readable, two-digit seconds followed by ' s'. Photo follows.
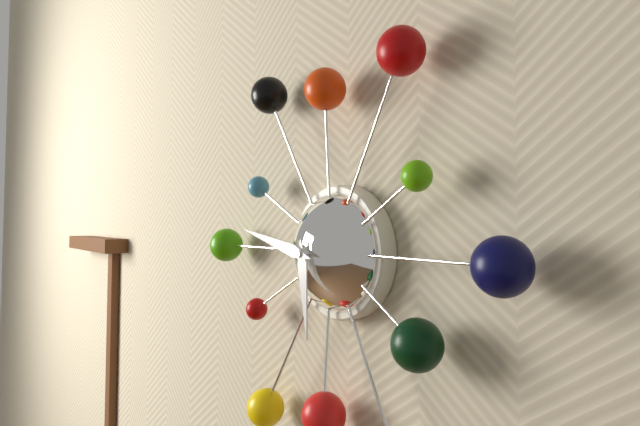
5 h 47 min
